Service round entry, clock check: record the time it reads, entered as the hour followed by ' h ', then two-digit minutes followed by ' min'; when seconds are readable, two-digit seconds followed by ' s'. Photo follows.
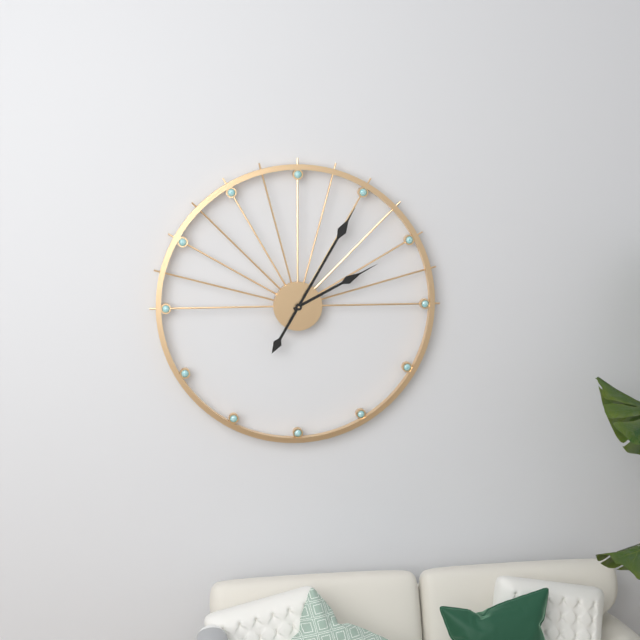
2 h 05 min
